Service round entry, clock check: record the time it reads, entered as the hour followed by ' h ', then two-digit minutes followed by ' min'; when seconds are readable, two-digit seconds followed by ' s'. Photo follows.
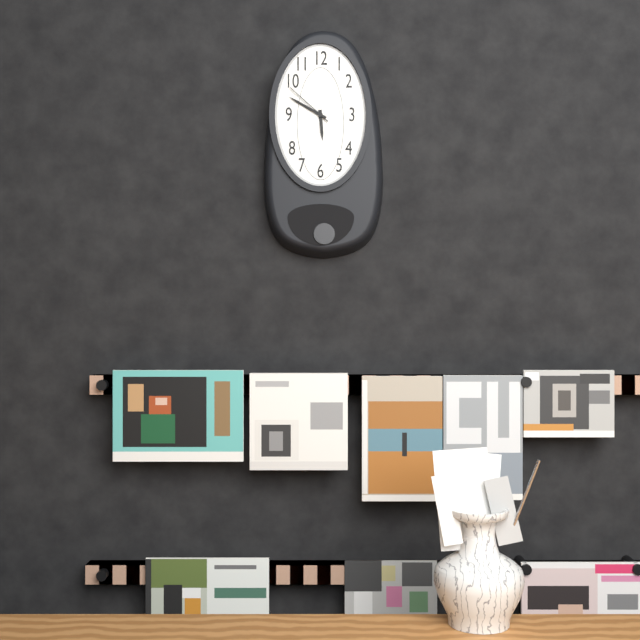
5 h 50 min 52 s
